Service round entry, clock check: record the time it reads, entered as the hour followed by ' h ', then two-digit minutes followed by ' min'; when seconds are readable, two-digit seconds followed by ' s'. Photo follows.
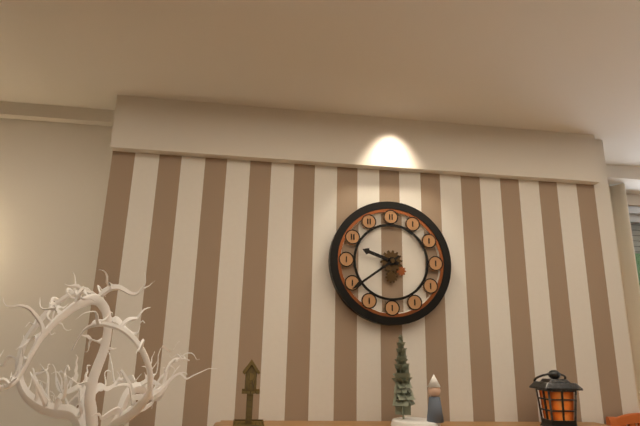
9 h 39 min
